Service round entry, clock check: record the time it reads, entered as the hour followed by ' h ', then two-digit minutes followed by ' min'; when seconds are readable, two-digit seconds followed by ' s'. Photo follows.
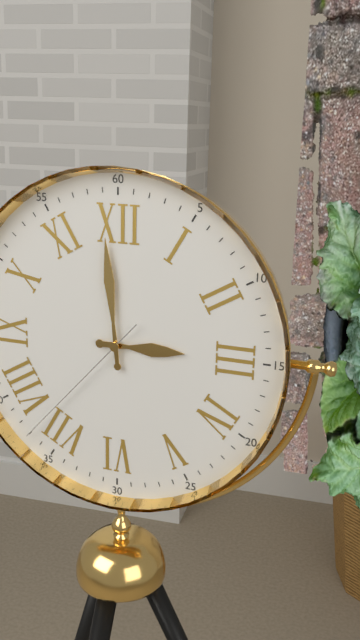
2 h 59 min 37 s
